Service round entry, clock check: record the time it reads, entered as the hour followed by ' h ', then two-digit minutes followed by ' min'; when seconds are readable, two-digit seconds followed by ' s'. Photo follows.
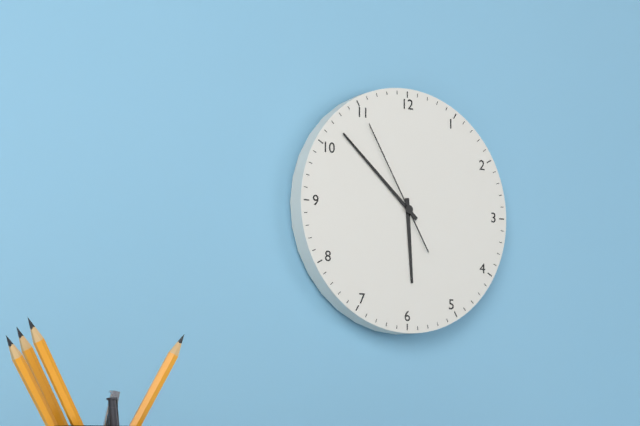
5 h 52 min 55 s
